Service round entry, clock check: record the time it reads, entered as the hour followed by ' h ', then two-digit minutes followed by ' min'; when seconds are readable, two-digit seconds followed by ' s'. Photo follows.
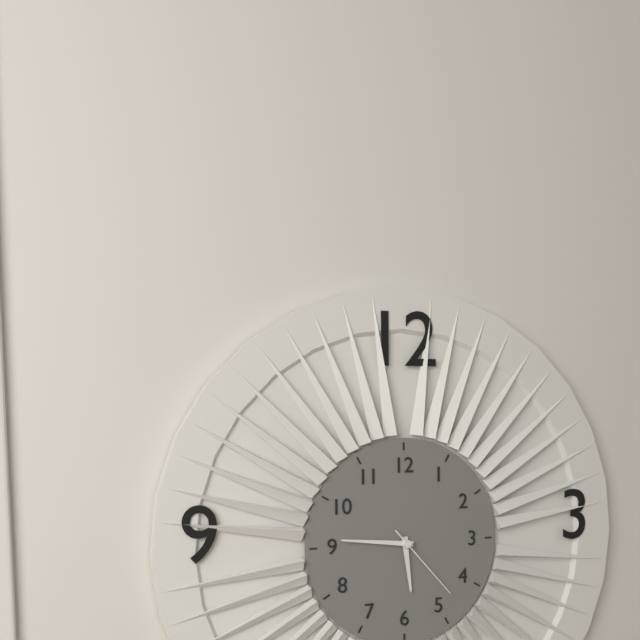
5 h 46 min 23 s
